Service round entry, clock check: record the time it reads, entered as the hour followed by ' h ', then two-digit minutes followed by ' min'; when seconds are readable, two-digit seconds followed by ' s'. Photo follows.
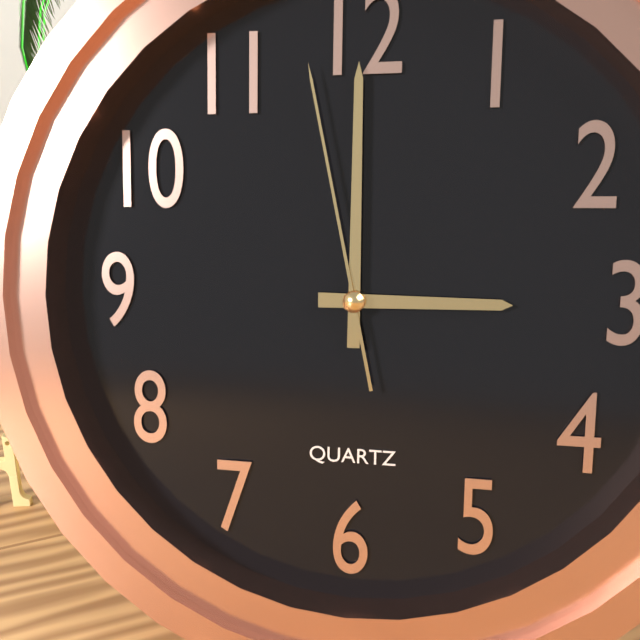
3 h 00 min 58 s
